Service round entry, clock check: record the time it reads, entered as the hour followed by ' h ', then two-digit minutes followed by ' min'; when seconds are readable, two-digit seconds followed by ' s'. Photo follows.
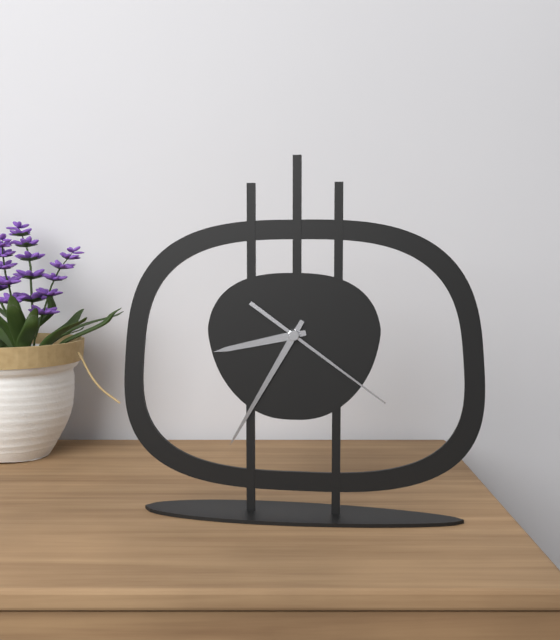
8 h 35 min 21 s
